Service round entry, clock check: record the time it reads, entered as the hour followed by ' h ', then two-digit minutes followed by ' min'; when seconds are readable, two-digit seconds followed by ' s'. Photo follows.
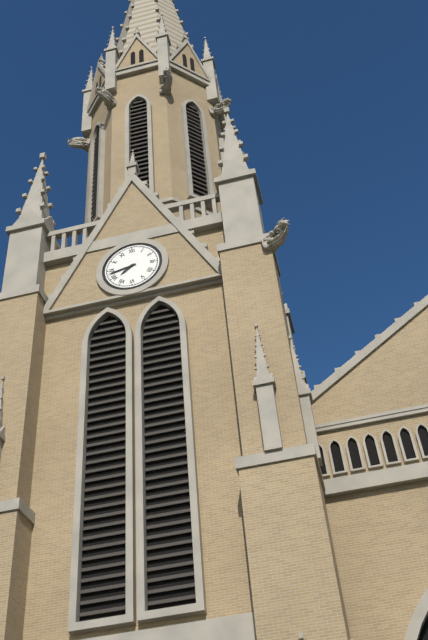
7 h 43 min
